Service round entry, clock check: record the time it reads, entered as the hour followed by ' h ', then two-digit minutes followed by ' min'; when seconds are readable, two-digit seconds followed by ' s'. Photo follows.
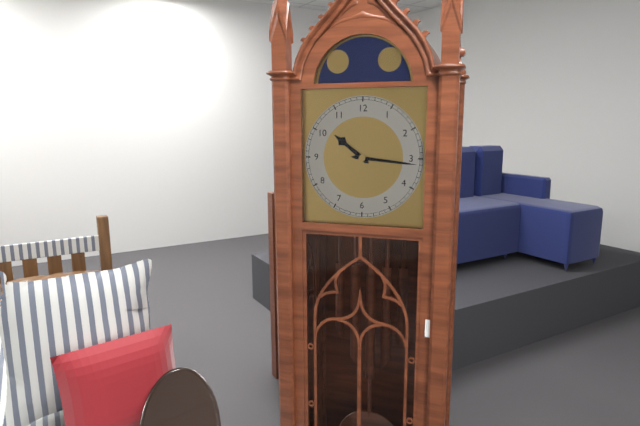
10 h 16 min
